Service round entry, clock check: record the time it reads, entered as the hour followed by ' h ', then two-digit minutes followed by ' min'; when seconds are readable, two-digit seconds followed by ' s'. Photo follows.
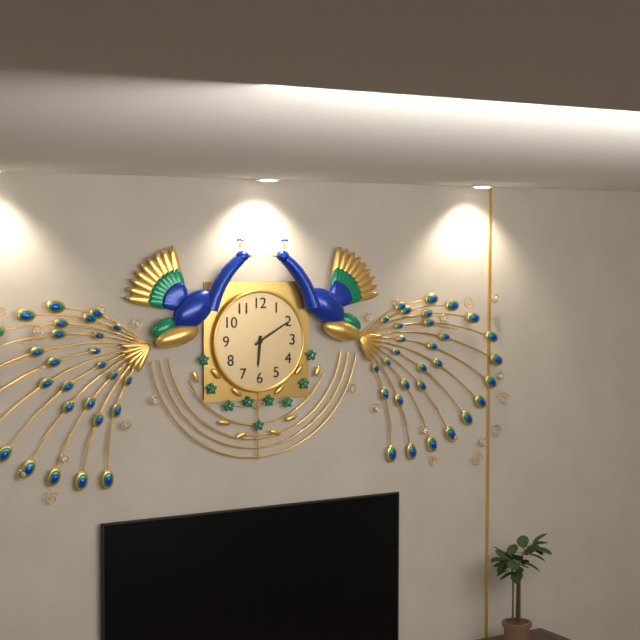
6 h 10 min
